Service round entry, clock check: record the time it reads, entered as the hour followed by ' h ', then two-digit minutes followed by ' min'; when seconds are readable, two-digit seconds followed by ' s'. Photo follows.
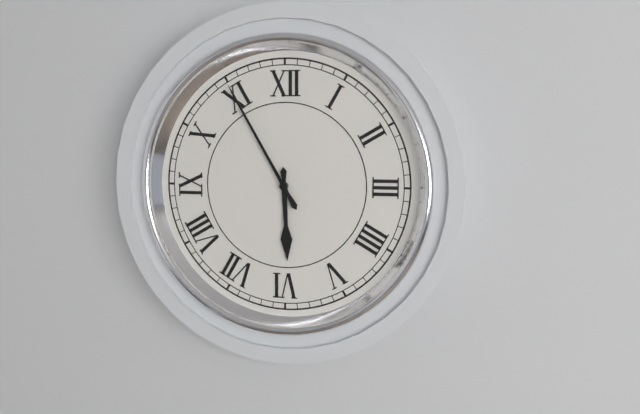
5 h 55 min
